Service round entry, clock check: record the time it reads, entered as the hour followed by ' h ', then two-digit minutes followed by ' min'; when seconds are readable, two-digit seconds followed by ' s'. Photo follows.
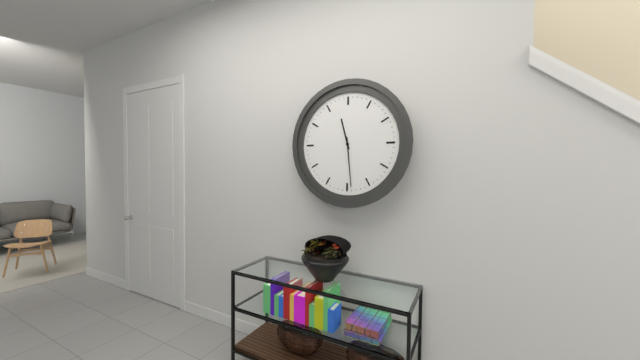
11 h 29 min
